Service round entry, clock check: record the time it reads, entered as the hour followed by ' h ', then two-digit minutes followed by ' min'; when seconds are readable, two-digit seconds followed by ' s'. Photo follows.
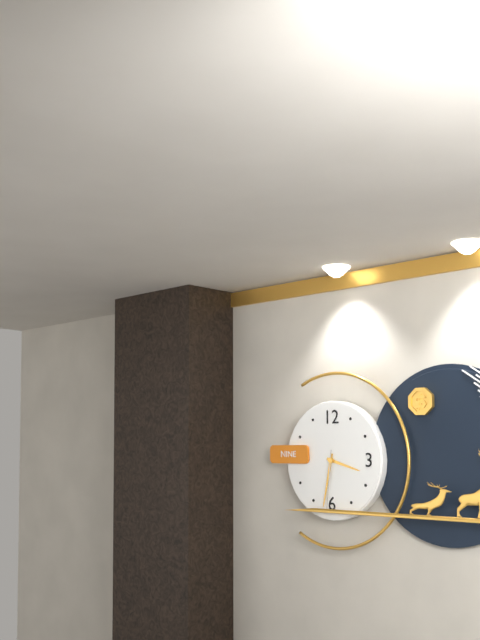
3 h 32 min 31 s
